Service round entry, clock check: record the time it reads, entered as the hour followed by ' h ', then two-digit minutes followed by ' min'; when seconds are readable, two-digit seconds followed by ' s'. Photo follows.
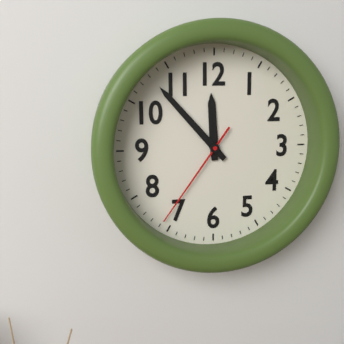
11 h 53 min 36 s
